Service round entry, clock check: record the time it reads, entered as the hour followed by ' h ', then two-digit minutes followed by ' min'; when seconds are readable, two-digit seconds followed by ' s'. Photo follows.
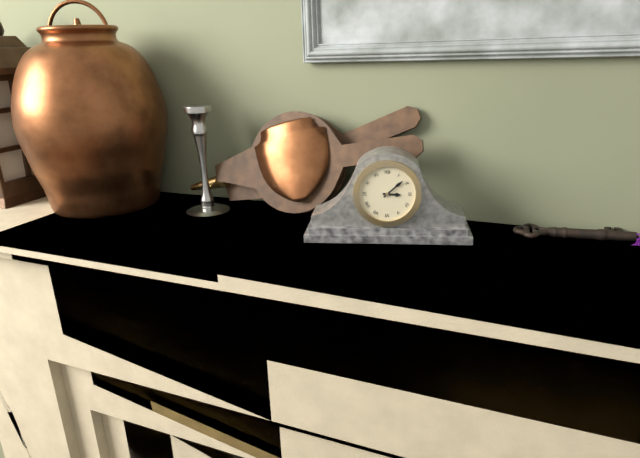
3 h 08 min
